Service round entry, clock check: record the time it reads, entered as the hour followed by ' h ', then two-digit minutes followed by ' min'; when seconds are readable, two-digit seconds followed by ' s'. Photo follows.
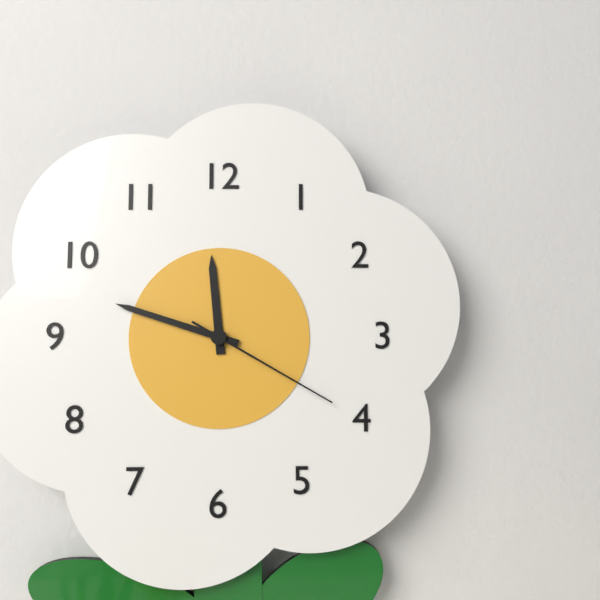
11 h 48 min 20 s
